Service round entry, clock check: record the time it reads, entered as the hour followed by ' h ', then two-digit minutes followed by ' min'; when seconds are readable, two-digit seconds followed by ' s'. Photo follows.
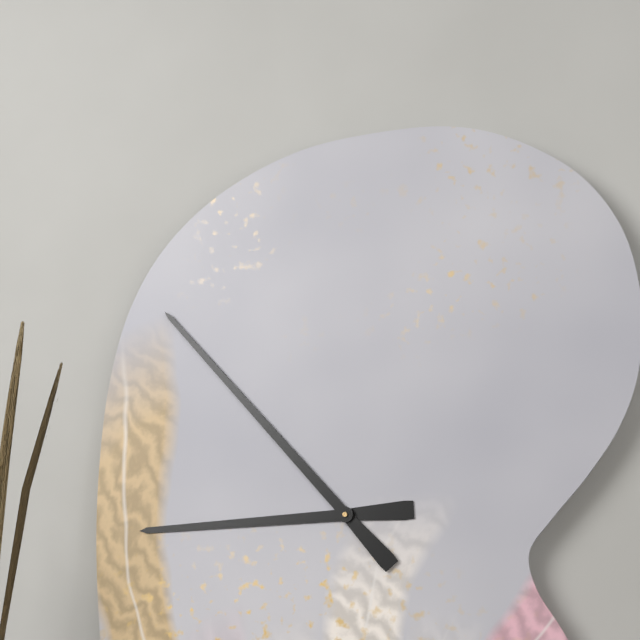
8 h 53 min
